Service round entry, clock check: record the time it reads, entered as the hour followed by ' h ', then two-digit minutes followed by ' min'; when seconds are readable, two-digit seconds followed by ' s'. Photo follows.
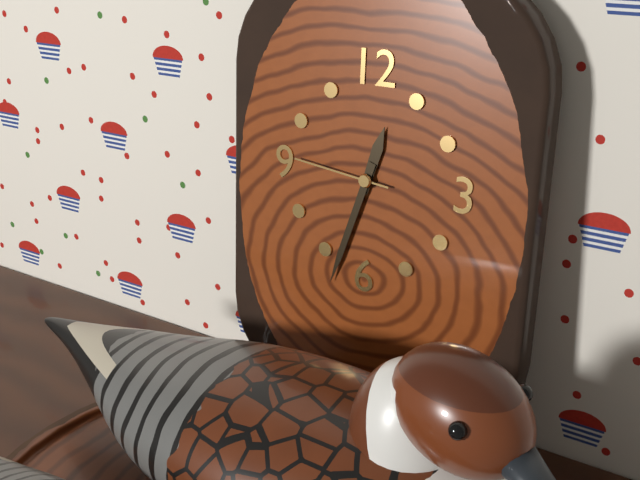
12 h 33 min 46 s
